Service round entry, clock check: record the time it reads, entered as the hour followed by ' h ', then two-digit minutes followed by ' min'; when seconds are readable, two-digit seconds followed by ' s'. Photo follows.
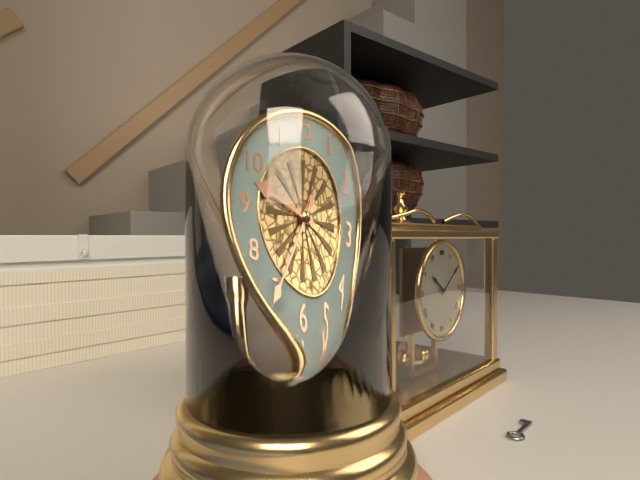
9 h 35 min
